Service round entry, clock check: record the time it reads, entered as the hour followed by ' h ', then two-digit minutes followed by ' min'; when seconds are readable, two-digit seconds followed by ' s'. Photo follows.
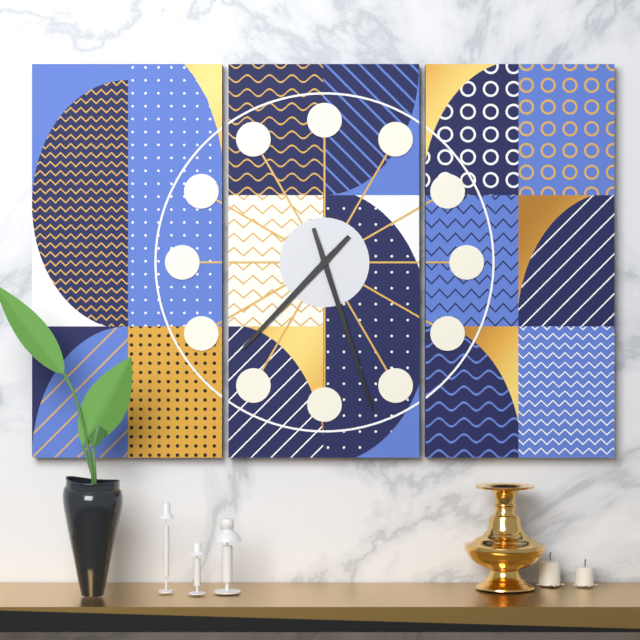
7 h 27 min
